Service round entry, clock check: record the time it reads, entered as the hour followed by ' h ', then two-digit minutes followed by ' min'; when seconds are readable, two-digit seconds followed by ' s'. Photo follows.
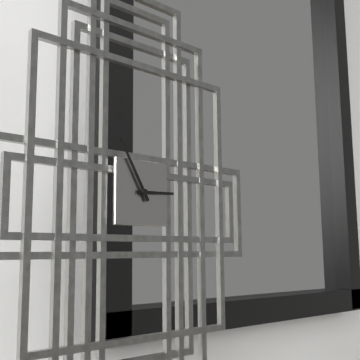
2 h 55 min
